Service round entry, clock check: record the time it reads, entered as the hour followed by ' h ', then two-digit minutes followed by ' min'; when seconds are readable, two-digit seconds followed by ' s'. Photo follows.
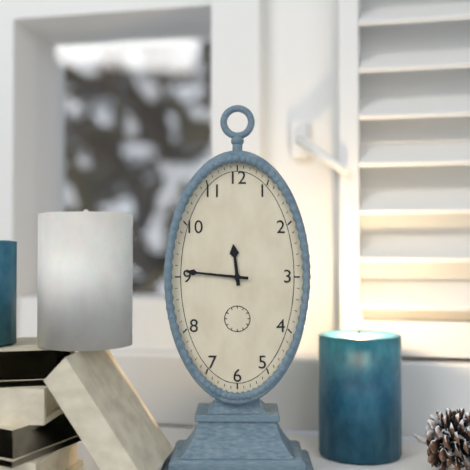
11 h 46 min
